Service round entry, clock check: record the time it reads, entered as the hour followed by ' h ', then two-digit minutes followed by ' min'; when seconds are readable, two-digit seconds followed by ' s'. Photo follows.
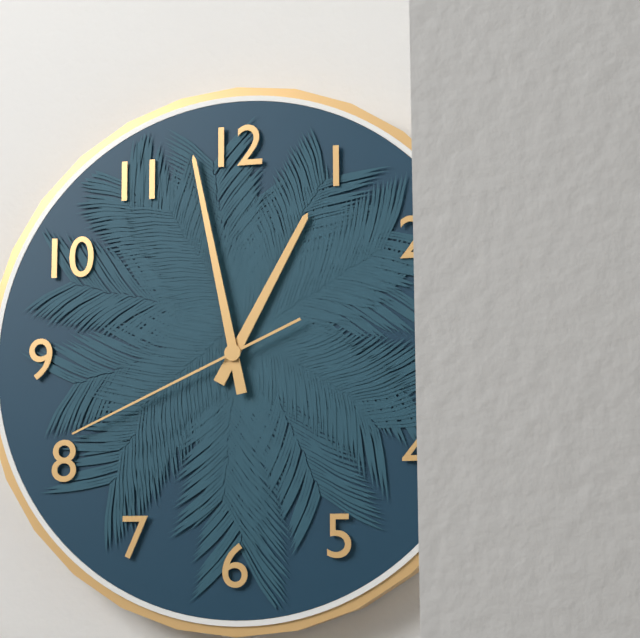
12 h 58 min 41 s
